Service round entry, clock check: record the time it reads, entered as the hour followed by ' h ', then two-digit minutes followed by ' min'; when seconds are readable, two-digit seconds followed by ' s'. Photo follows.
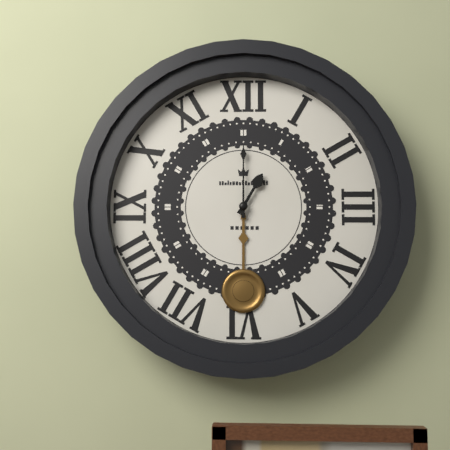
1 h 00 min
